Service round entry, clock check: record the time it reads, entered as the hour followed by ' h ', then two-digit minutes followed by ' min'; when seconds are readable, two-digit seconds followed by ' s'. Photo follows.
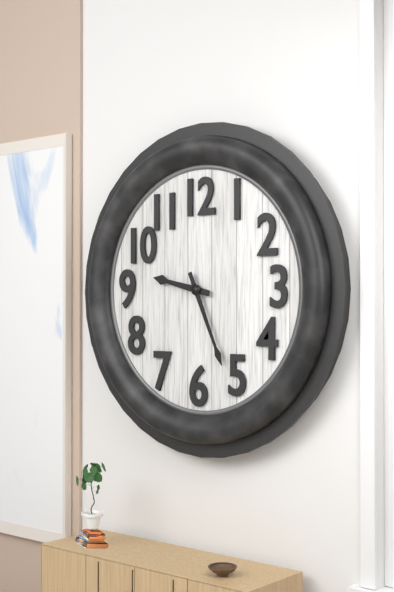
9 h 26 min
